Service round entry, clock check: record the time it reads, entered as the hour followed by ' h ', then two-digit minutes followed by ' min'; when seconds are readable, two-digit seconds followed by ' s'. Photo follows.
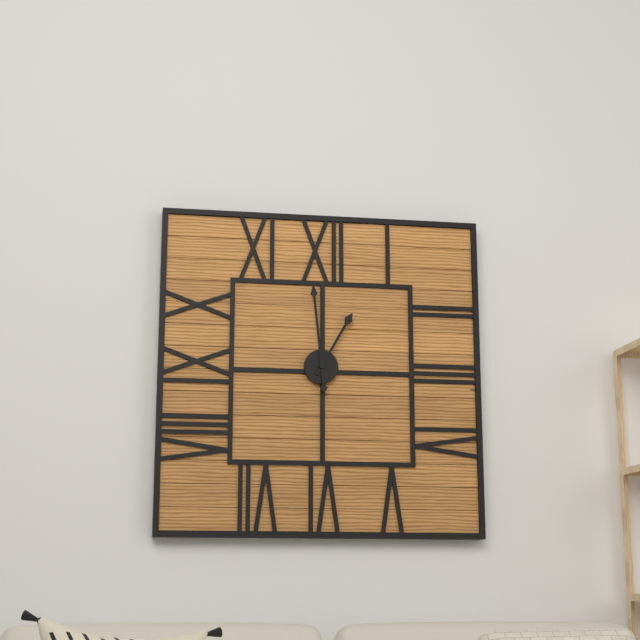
12 h 59 min
